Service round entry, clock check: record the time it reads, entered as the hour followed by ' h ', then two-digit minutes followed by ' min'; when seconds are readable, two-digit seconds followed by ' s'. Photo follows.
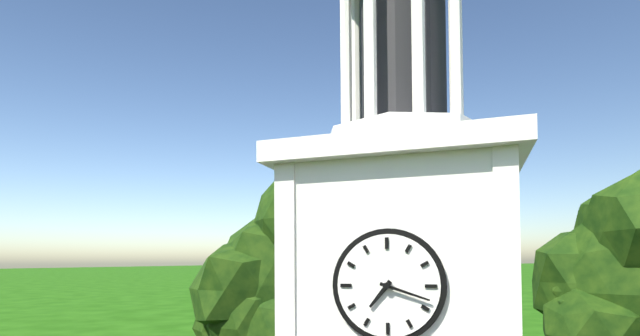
7 h 18 min
